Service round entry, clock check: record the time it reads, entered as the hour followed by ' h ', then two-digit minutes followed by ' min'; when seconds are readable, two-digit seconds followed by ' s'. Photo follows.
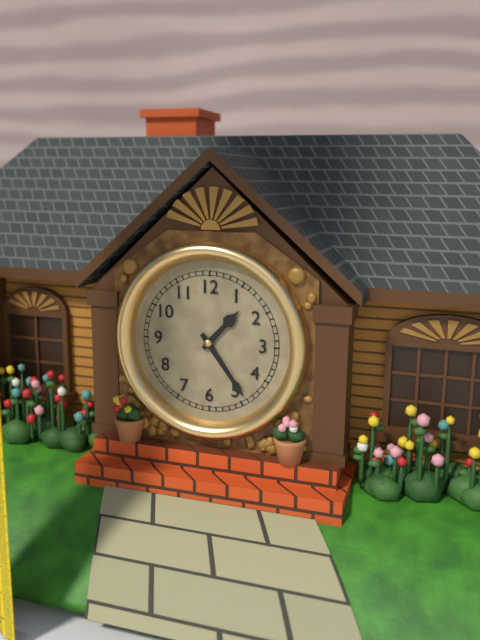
1 h 24 min
